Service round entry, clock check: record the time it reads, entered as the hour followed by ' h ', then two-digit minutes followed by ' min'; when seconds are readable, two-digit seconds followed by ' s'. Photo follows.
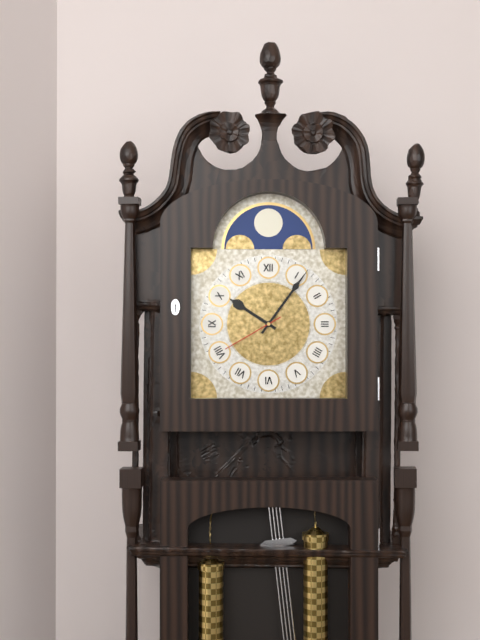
10 h 06 min 40 s
